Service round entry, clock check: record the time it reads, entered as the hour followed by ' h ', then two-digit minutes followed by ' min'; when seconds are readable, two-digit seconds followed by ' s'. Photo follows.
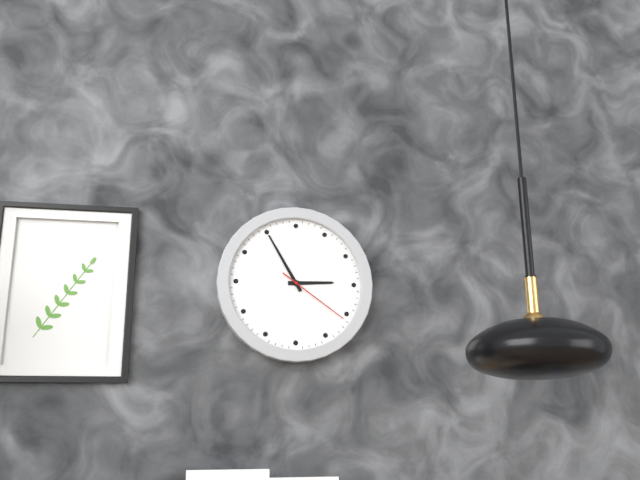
2 h 55 min 21 s
